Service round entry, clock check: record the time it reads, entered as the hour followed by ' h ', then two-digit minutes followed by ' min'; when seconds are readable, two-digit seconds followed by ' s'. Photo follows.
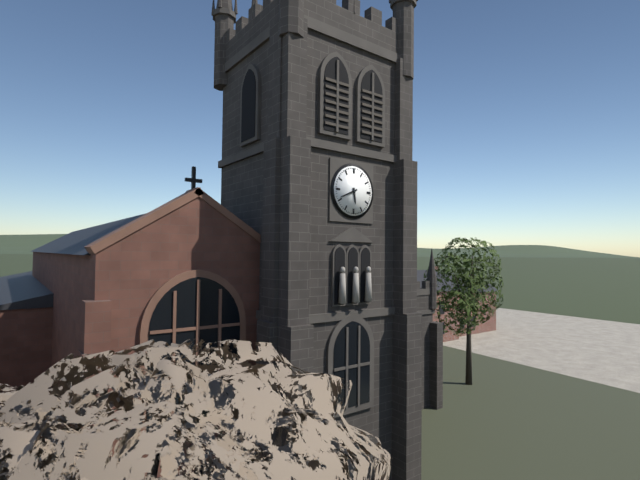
5 h 41 min
